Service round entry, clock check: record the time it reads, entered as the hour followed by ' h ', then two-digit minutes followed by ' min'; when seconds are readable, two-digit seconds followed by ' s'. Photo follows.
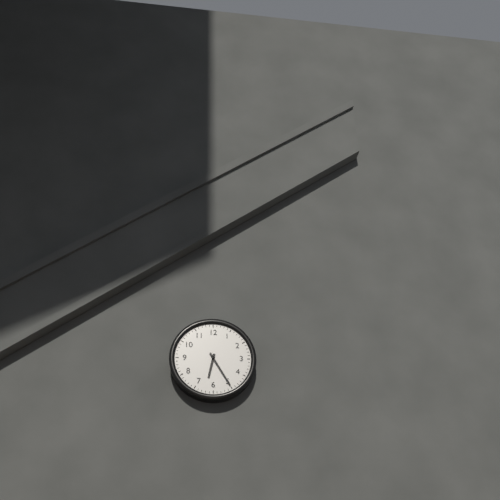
6 h 25 min
